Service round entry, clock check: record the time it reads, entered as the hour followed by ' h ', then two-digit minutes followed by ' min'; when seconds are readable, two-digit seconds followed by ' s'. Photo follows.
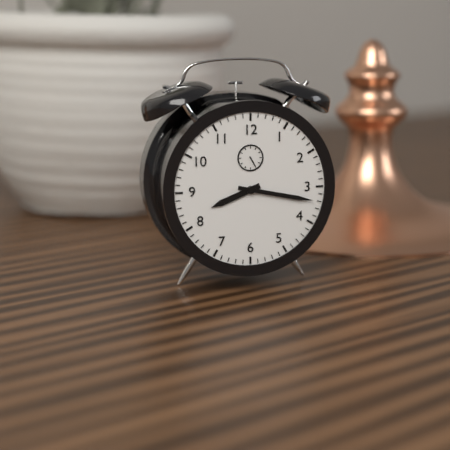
8 h 17 min
